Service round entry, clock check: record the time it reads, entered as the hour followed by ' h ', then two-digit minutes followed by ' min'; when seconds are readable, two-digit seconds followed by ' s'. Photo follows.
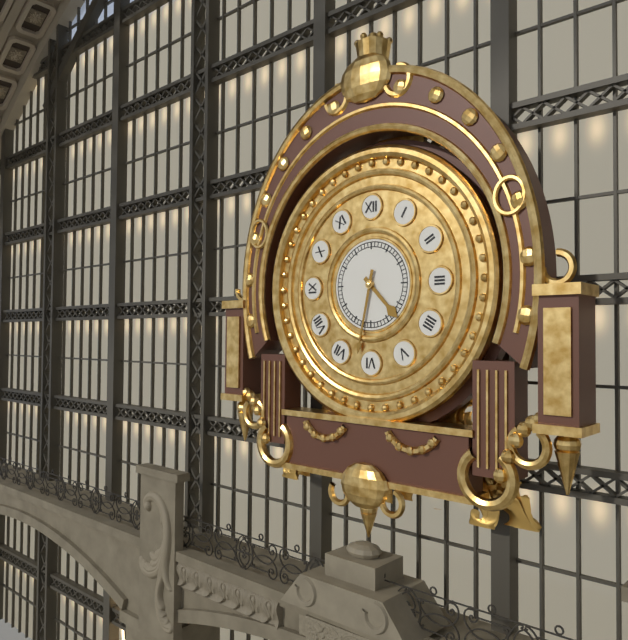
4 h 32 min
